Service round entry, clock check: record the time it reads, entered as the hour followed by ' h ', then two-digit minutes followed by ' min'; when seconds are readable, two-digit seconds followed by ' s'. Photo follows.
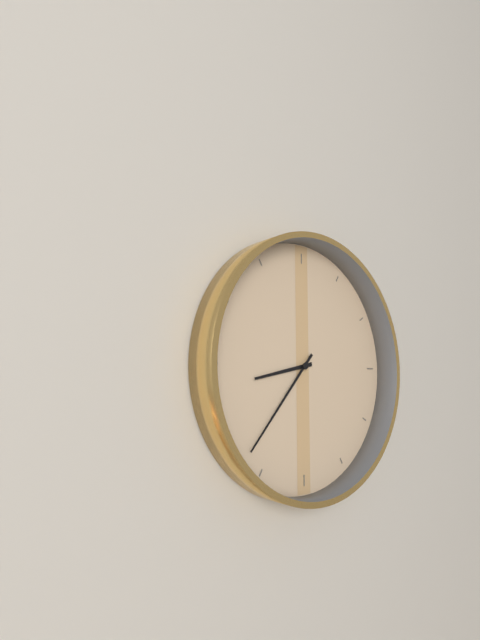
8 h 37 min
